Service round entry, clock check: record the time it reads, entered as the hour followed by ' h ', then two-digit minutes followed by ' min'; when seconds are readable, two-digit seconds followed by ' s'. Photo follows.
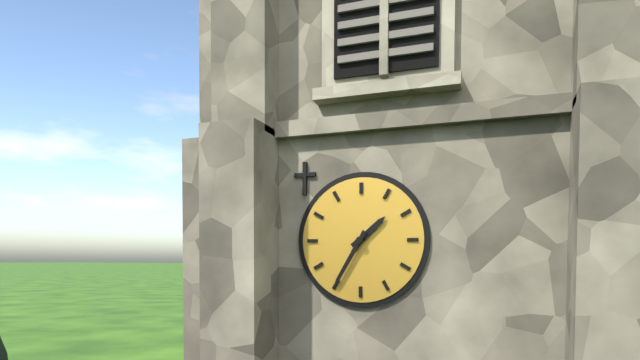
1 h 35 min
